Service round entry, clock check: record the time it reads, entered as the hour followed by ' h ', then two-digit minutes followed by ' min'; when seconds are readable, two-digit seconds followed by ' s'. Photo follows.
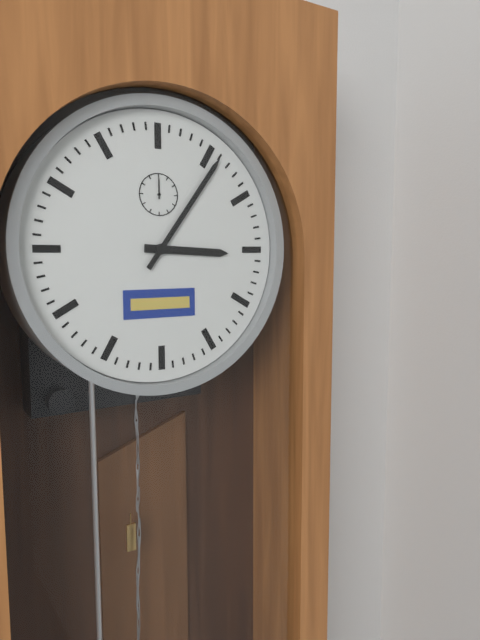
3 h 06 min
